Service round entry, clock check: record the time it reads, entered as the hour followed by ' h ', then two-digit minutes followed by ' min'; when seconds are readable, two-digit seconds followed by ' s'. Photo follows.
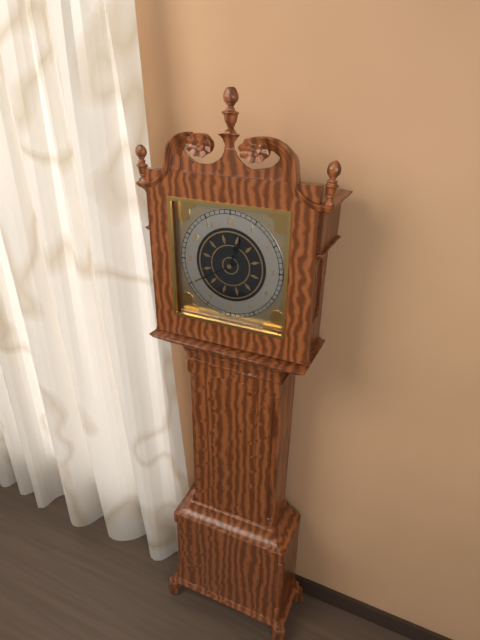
12 h 40 min
